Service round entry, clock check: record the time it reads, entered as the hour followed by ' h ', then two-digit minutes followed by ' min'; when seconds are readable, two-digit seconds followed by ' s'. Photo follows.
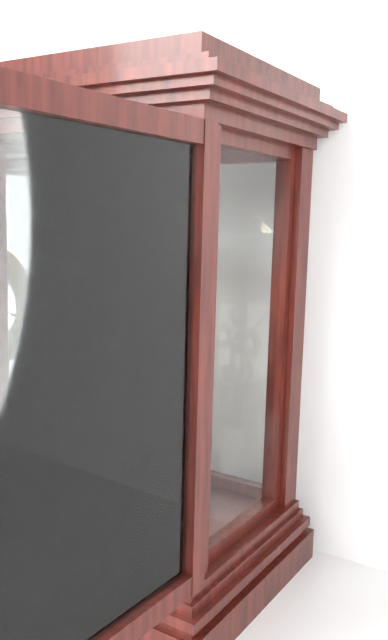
1 h 18 min
